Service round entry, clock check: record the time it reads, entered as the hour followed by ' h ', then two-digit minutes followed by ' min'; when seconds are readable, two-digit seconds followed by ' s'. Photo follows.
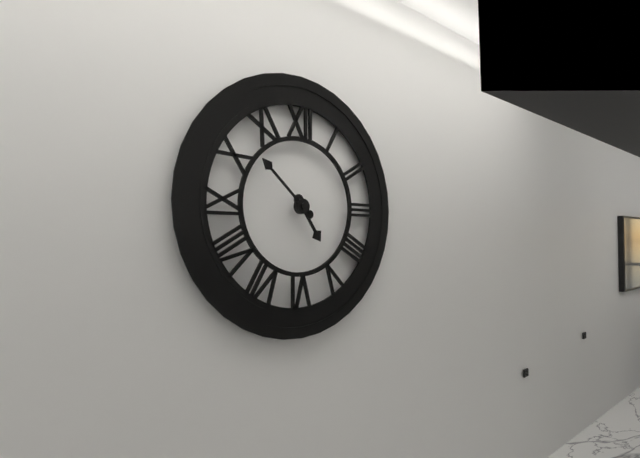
4 h 52 min
